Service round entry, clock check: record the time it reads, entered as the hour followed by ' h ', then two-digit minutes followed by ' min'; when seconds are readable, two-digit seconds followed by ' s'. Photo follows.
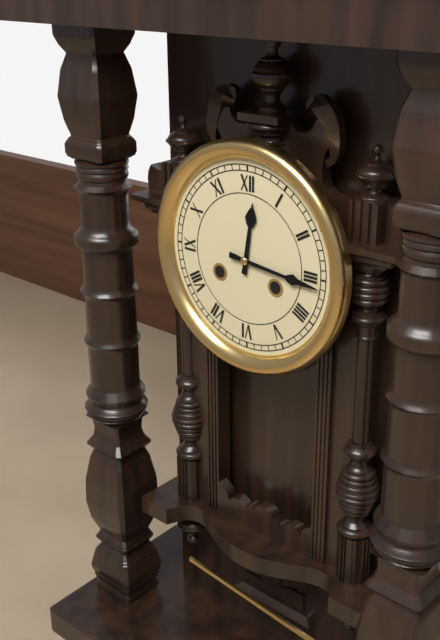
12 h 16 min
